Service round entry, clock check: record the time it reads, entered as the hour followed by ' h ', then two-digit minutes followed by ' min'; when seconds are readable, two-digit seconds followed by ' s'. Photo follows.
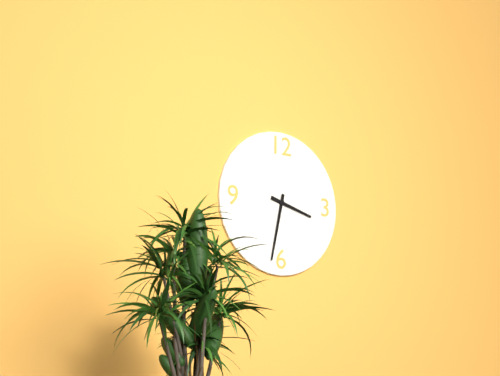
3 h 32 min
